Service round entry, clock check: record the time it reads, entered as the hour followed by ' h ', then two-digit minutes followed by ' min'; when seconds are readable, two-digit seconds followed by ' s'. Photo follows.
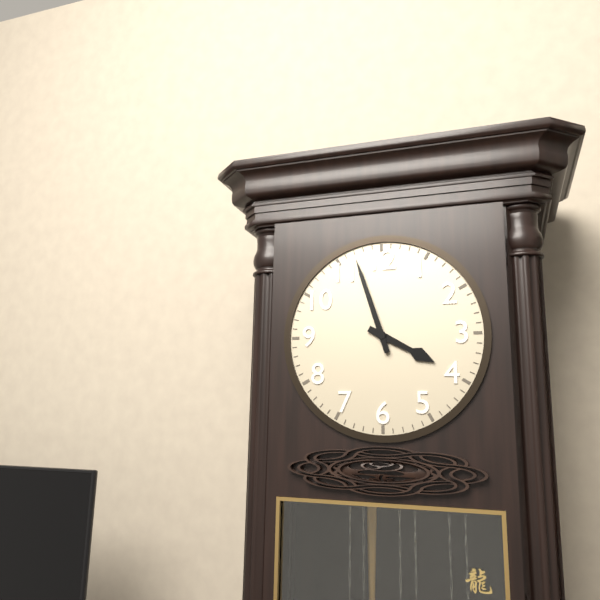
3 h 57 min
